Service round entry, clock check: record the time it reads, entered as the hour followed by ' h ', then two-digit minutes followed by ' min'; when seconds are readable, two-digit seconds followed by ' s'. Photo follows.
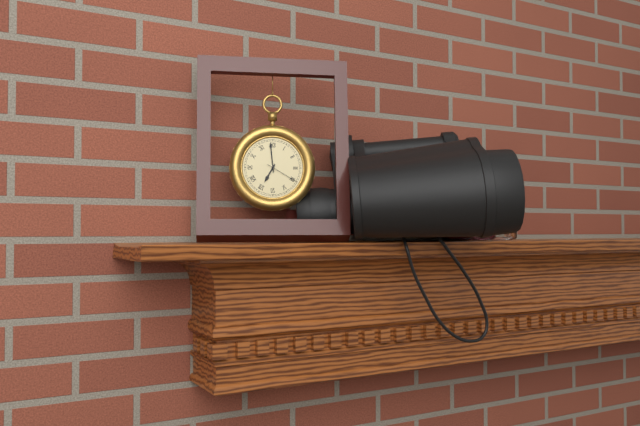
6 h 59 min
